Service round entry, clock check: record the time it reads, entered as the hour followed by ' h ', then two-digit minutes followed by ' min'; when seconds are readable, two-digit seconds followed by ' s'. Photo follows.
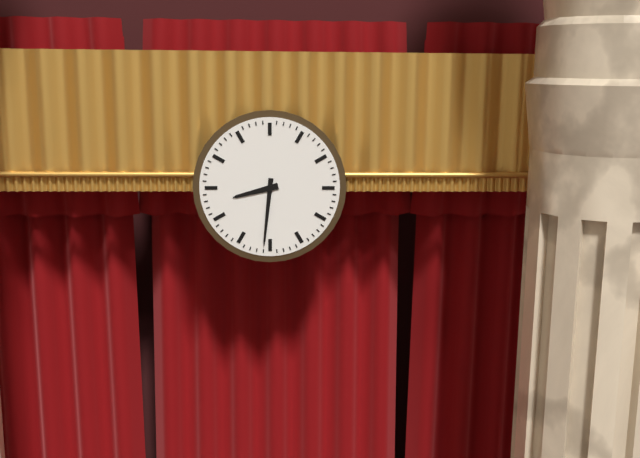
8 h 31 min
